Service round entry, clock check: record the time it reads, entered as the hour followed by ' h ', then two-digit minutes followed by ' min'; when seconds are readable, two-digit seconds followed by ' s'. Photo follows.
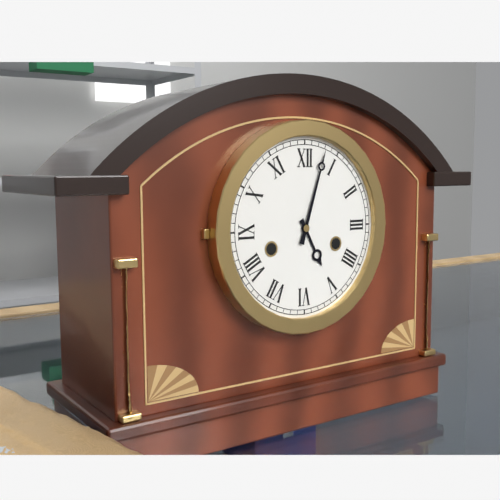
5 h 03 min
